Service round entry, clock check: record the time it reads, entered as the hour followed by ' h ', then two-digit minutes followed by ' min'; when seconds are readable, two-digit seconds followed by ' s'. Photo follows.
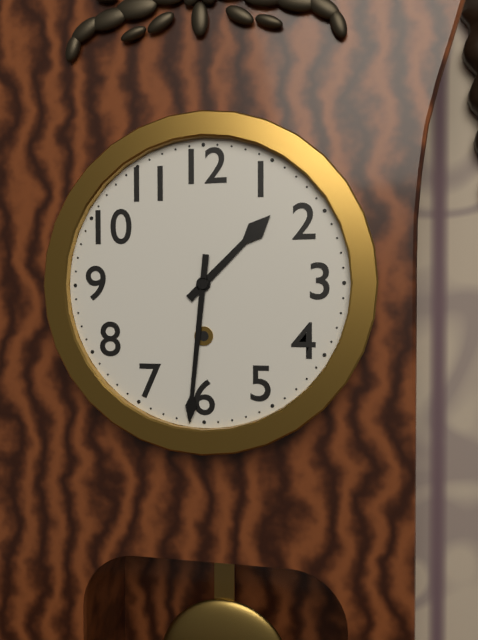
1 h 31 min
